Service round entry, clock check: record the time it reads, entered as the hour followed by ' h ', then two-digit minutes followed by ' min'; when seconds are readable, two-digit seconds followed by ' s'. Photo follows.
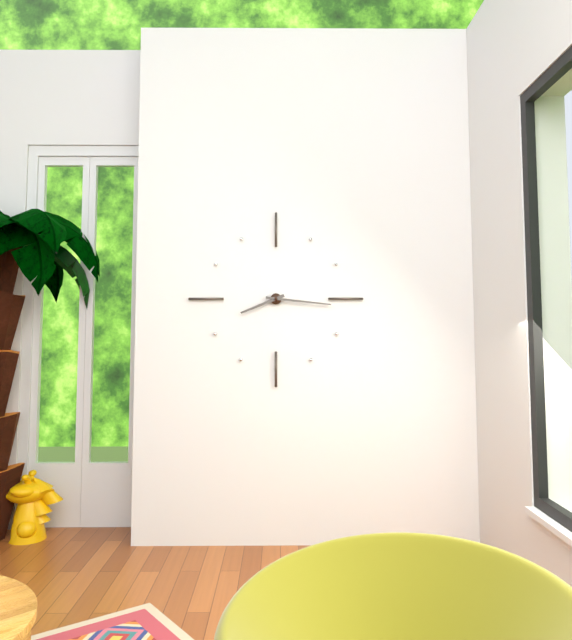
8 h 16 min
